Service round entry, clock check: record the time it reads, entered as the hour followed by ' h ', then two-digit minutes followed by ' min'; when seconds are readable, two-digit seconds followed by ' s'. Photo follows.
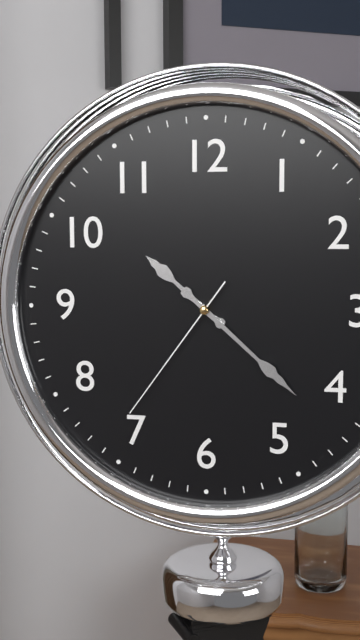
10 h 22 min 36 s
